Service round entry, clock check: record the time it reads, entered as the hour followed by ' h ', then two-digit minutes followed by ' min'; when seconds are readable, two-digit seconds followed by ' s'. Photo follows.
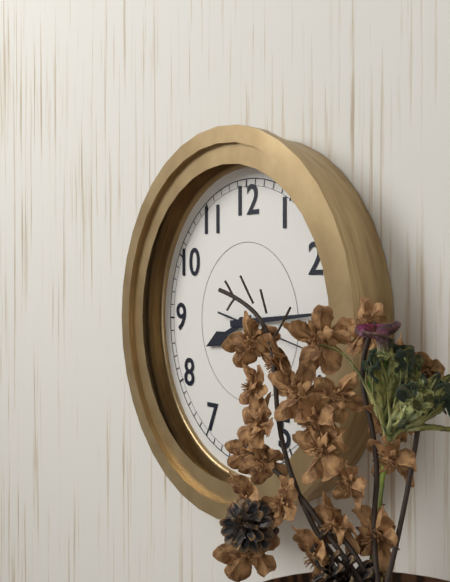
8 h 14 min 17 s
